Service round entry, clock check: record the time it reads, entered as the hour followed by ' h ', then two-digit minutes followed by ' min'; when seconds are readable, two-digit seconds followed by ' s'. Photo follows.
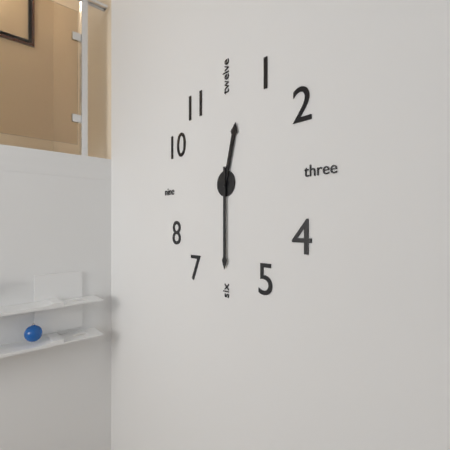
12 h 30 min
